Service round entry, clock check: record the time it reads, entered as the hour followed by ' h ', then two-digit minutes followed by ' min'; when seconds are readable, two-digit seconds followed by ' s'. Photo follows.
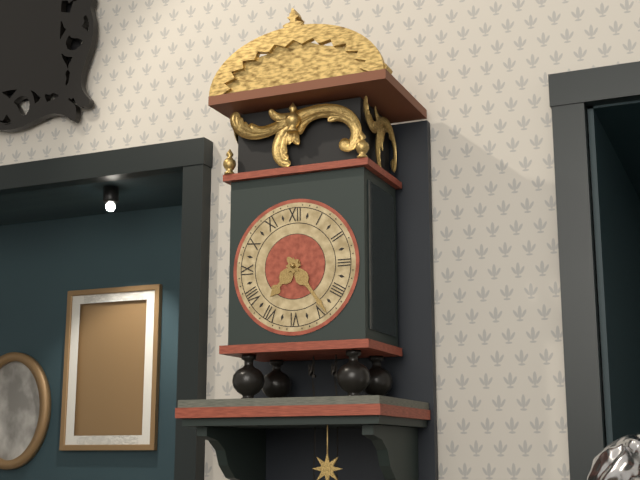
7 h 24 min
